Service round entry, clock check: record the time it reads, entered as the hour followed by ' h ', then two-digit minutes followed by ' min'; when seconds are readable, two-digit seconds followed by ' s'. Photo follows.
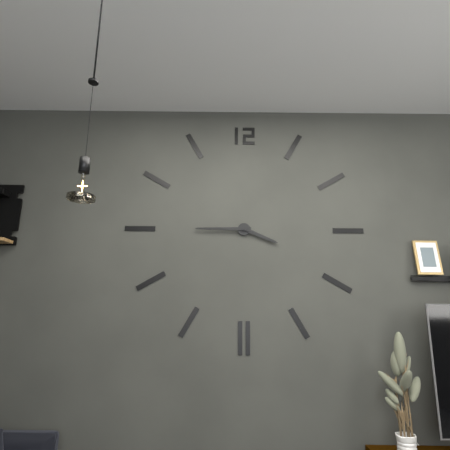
3 h 45 min
